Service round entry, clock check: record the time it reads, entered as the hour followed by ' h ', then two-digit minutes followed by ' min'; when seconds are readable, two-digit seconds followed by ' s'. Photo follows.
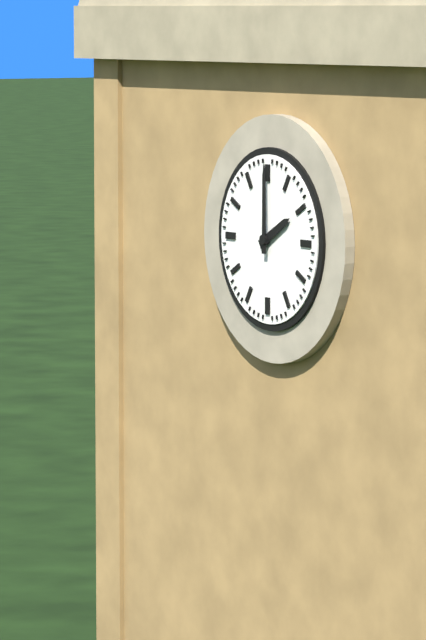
2 h 00 min
